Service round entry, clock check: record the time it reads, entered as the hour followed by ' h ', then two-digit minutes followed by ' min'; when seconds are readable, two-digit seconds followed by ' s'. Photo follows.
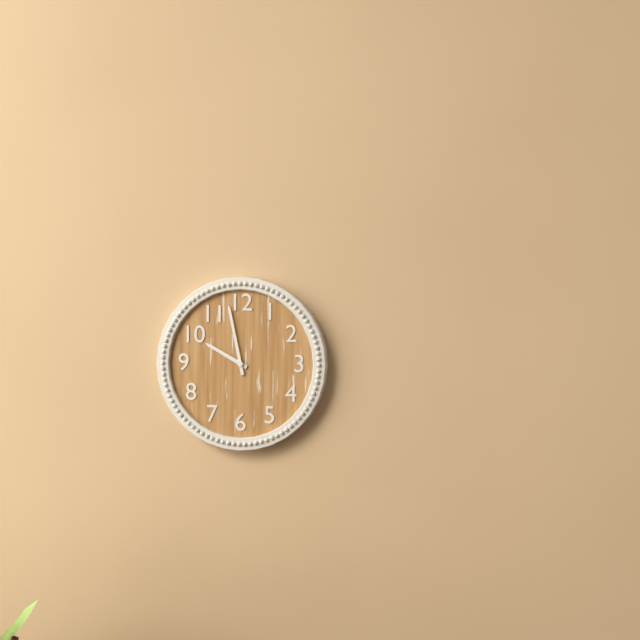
9 h 58 min
